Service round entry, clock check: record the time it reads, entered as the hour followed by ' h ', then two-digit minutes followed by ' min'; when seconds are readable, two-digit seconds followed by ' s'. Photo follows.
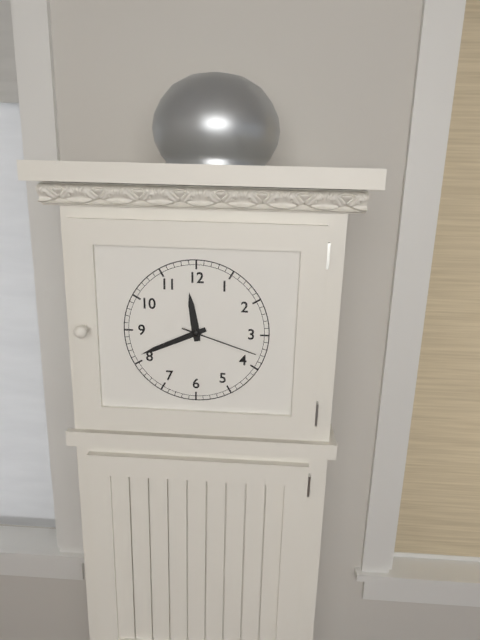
11 h 41 min 18 s
